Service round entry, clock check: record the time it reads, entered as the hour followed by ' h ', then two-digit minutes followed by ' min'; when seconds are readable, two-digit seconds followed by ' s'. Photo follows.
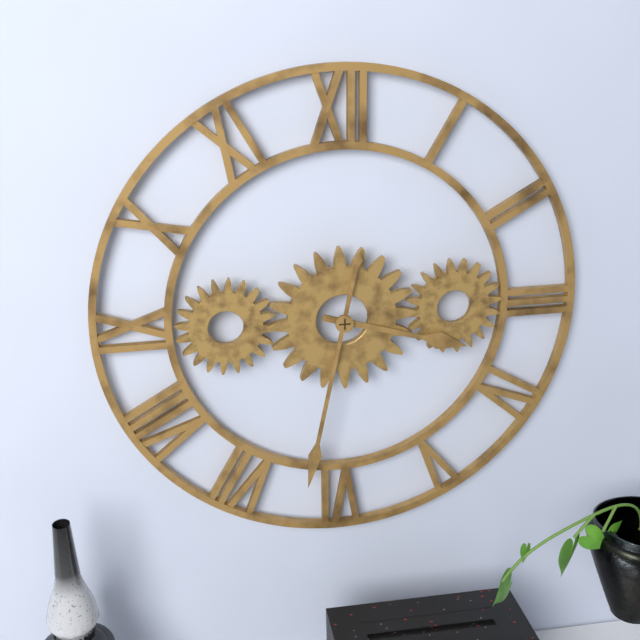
3 h 32 min
